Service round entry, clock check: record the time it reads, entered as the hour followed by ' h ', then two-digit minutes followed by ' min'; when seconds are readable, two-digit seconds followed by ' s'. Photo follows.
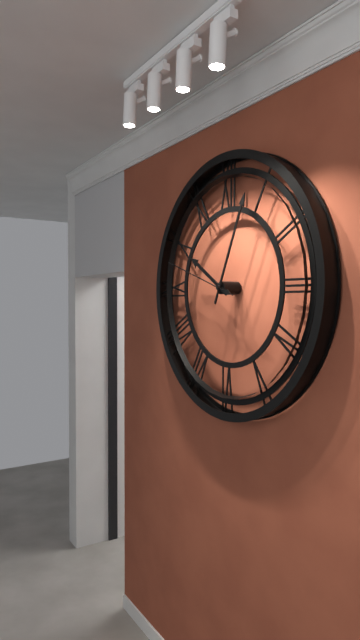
10 h 04 min 48 s
